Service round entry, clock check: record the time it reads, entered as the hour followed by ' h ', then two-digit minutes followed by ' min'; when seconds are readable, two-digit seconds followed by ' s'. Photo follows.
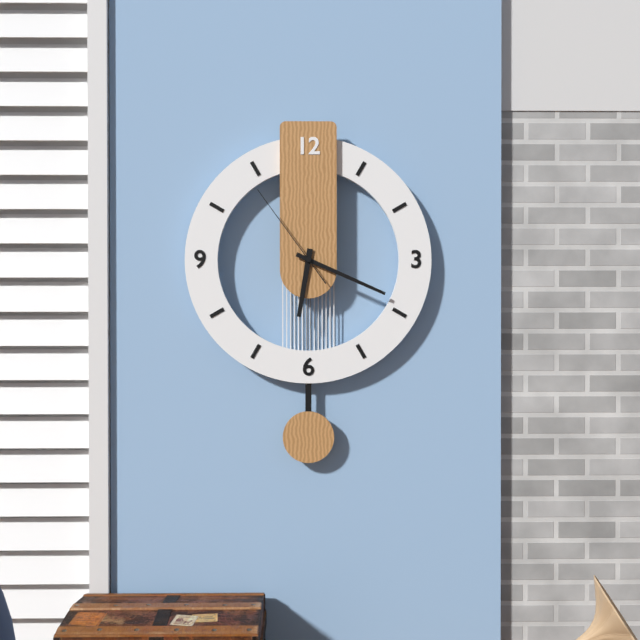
6 h 19 min 54 s
